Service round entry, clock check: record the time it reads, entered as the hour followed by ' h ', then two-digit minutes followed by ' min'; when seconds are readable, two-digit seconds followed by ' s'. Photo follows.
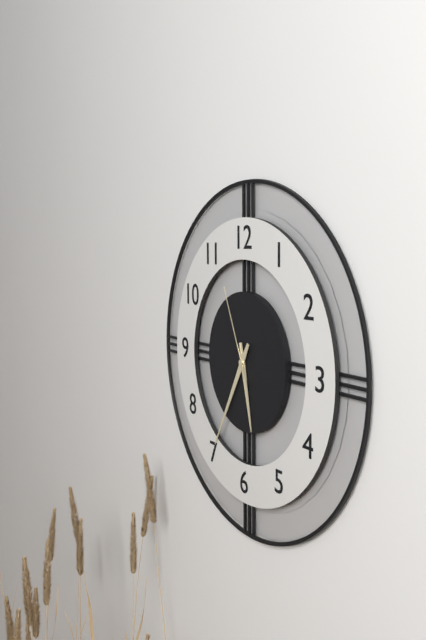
5 h 35 min 56 s
